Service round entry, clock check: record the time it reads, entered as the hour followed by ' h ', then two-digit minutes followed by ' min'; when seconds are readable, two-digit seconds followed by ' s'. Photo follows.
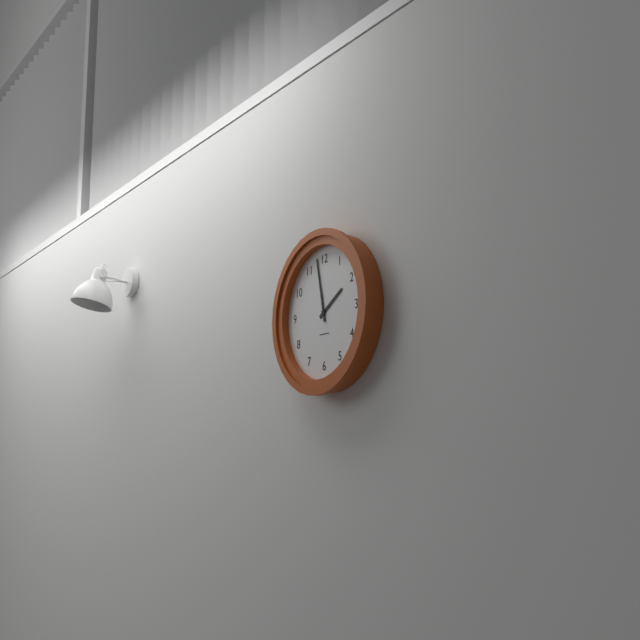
1 h 58 min
